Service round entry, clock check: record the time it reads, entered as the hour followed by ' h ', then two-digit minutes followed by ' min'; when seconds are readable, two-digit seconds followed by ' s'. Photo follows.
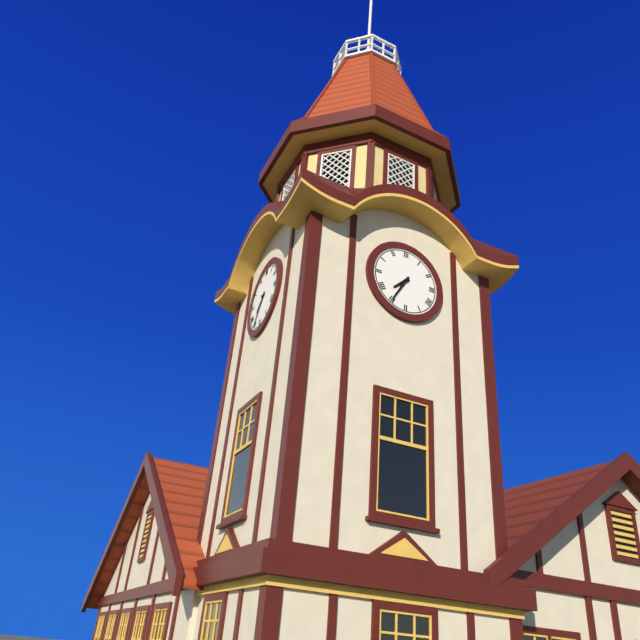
7 h 35 min
